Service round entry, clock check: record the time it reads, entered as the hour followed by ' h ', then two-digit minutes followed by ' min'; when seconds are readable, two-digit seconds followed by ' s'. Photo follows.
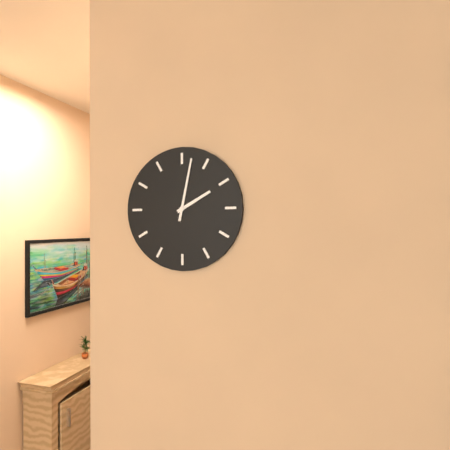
2 h 02 min
